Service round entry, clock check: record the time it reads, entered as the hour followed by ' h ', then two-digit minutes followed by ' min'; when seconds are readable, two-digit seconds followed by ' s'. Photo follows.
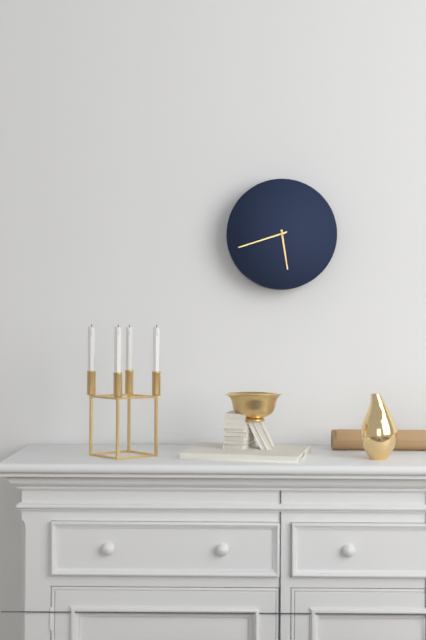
5 h 42 min
